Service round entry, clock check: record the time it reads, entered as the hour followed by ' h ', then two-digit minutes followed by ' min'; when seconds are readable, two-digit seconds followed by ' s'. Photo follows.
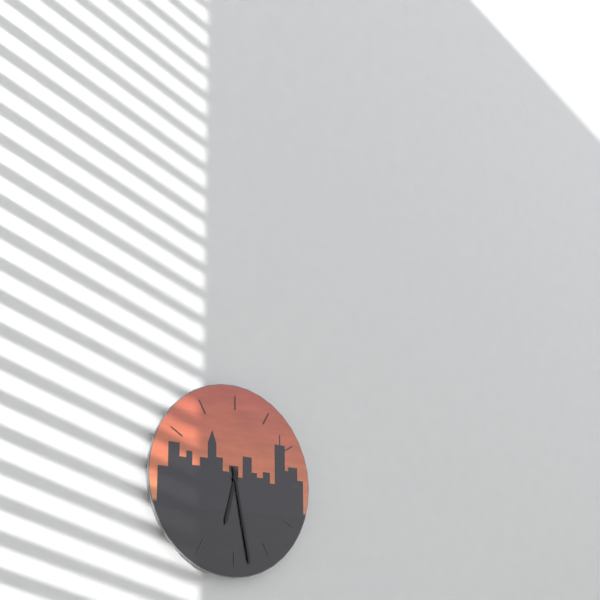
6 h 28 min
